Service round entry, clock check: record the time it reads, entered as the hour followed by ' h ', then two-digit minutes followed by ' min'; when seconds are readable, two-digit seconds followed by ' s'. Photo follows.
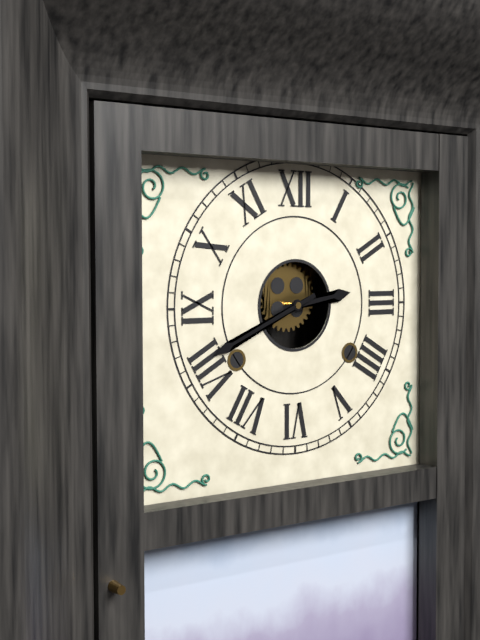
2 h 41 min
